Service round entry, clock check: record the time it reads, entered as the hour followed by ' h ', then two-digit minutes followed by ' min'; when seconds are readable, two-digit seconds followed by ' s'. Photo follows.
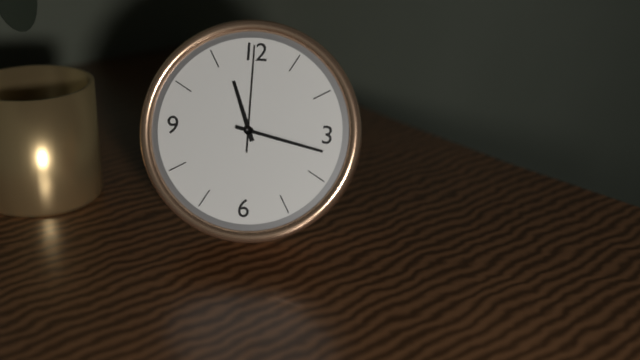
11 h 17 min 00 s
